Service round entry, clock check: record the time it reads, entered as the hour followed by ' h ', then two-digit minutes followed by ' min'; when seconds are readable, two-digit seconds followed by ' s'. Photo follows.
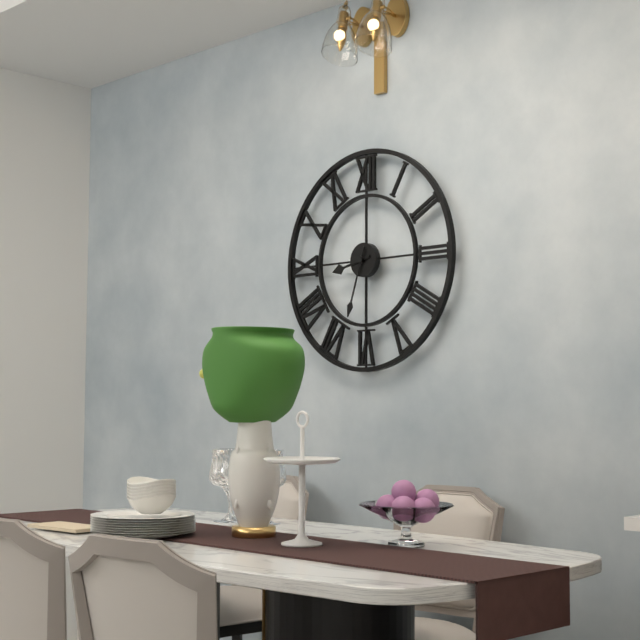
8 h 33 min
